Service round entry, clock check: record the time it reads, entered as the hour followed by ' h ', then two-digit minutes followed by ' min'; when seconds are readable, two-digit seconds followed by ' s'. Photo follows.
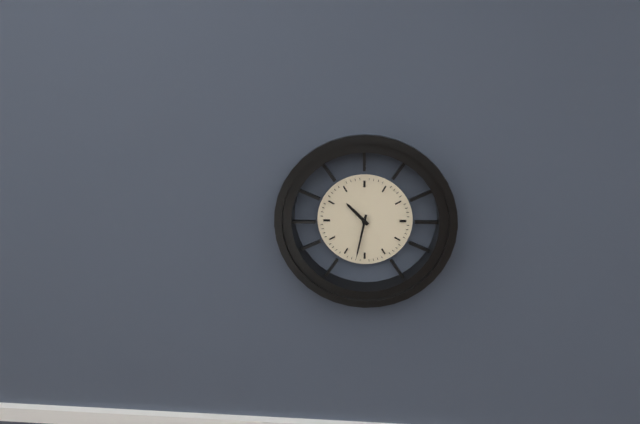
10 h 32 min
